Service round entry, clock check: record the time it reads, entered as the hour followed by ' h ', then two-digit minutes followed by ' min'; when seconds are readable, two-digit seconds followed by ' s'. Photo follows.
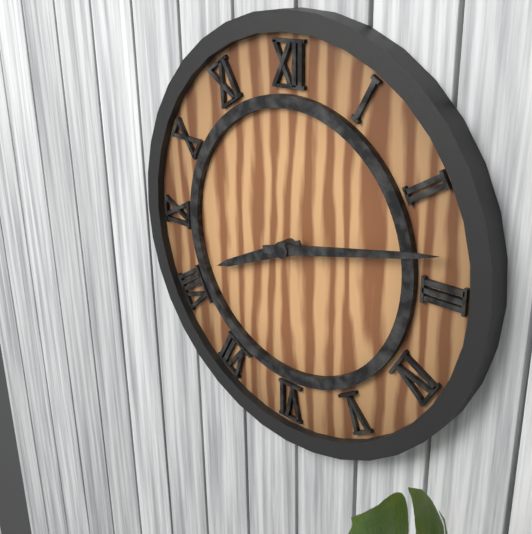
8 h 13 min
